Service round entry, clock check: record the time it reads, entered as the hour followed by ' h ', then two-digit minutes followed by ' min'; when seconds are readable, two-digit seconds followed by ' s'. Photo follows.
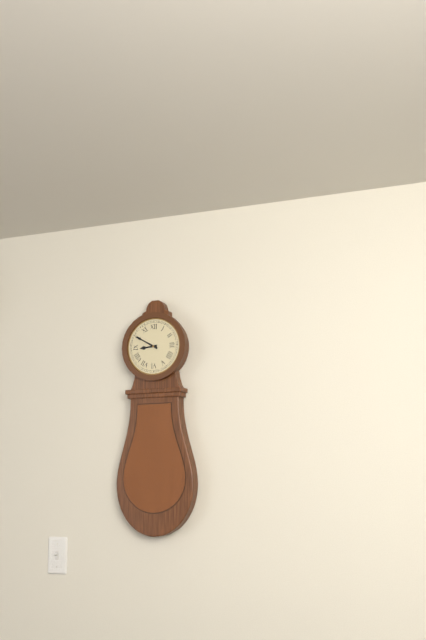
8 h 50 min
